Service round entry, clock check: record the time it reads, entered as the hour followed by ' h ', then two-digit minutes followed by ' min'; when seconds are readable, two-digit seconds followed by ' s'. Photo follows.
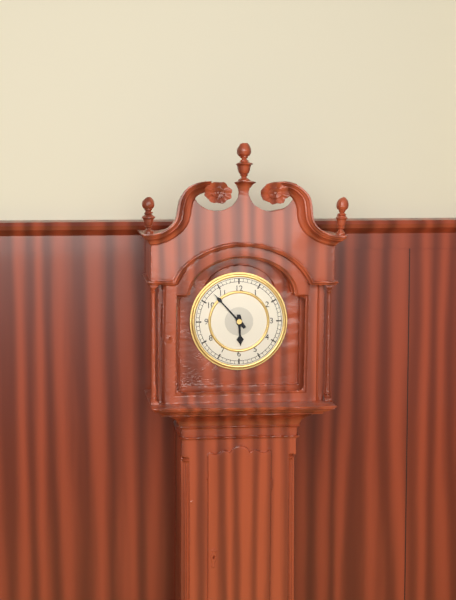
5 h 53 min
